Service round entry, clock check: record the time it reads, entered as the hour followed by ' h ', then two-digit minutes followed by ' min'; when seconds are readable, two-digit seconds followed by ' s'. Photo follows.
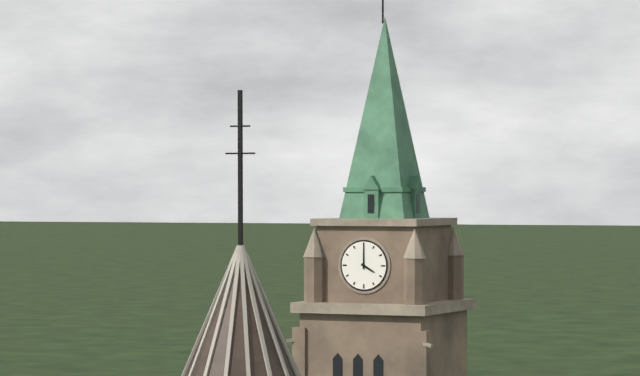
4 h 00 min
